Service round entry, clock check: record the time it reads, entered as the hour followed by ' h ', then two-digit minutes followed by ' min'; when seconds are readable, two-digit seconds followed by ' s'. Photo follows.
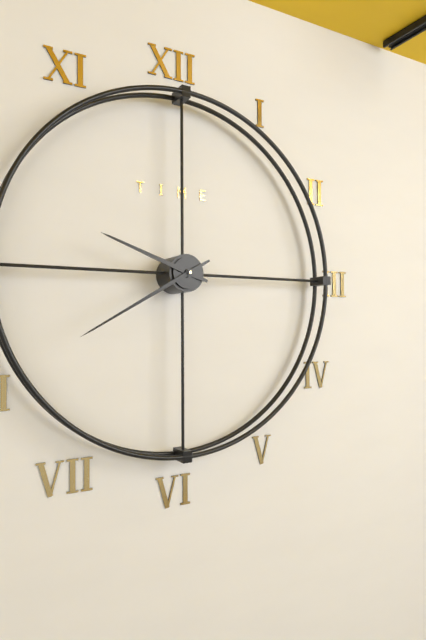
9 h 40 min
